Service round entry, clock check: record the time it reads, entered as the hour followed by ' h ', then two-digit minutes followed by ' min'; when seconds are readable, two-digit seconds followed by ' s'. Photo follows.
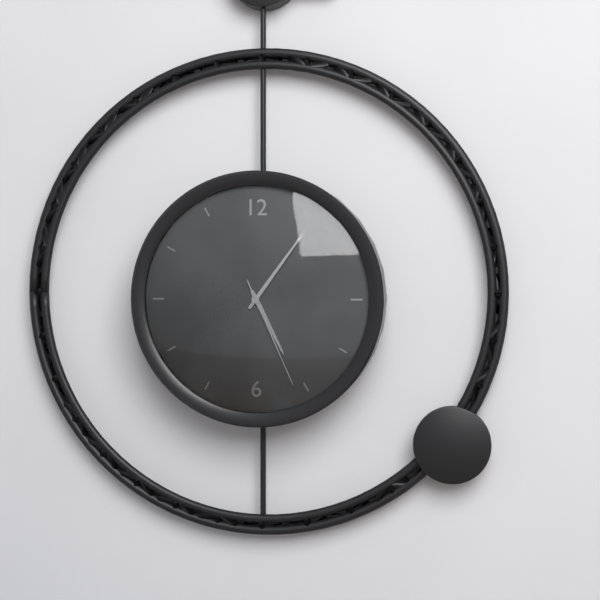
5 h 06 min 26 s
